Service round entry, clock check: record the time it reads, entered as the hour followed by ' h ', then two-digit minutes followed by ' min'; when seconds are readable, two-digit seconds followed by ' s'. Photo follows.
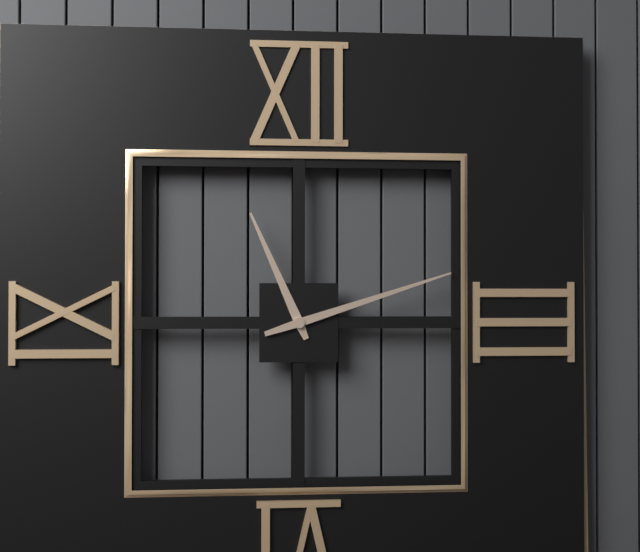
11 h 12 min
